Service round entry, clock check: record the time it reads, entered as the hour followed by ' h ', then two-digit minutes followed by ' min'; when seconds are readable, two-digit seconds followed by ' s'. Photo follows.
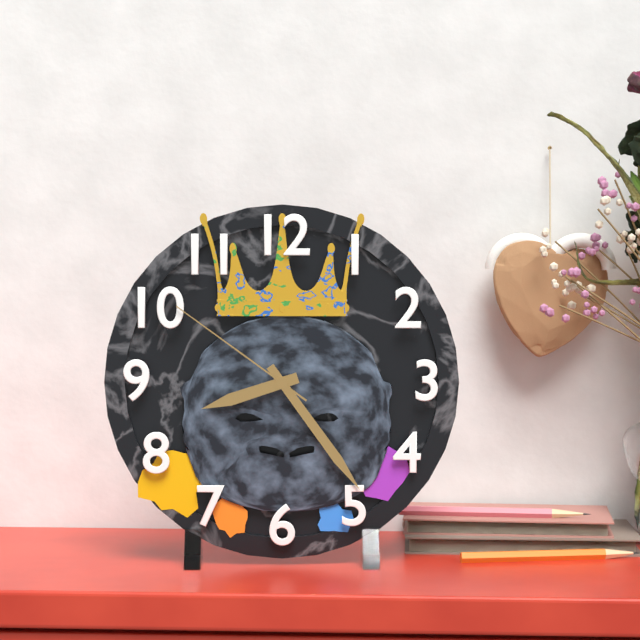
8 h 24 min 51 s
